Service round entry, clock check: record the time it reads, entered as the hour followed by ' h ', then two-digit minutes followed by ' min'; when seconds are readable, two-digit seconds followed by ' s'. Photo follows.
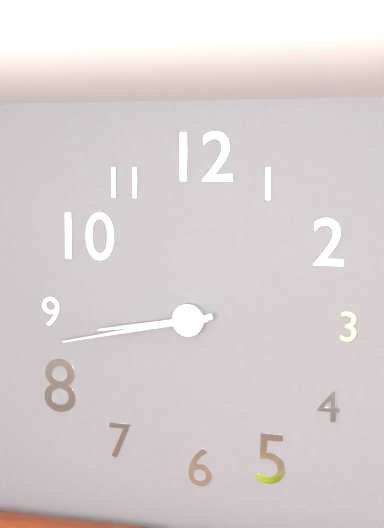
8 h 43 min
